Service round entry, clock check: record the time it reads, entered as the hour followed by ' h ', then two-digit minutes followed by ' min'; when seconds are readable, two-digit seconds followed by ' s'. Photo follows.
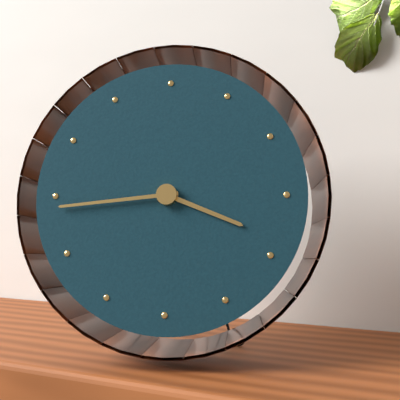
3 h 44 min
